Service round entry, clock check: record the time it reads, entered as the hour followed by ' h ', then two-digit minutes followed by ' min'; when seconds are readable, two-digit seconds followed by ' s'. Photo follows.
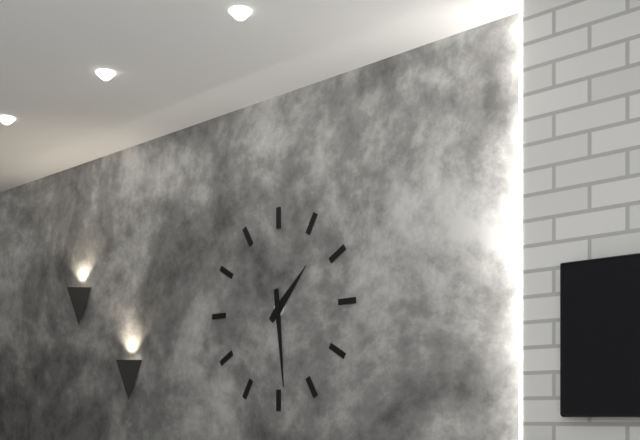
1 h 29 min
